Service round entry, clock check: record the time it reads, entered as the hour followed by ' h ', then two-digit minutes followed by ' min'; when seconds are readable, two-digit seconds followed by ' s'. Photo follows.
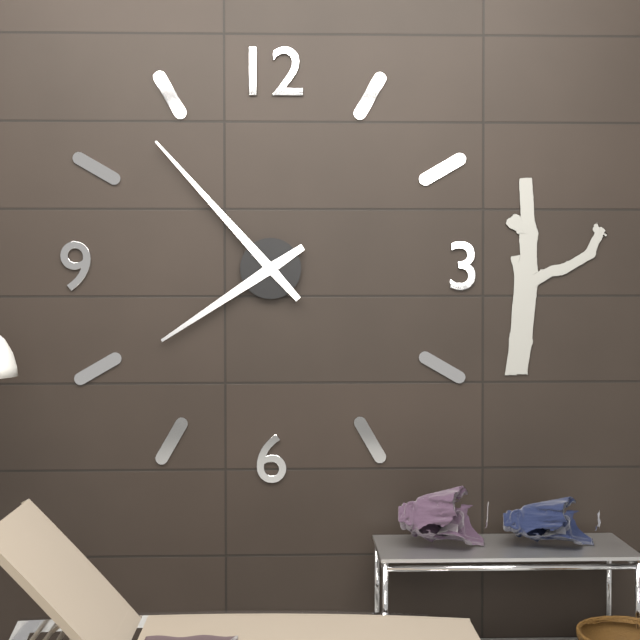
7 h 53 min
